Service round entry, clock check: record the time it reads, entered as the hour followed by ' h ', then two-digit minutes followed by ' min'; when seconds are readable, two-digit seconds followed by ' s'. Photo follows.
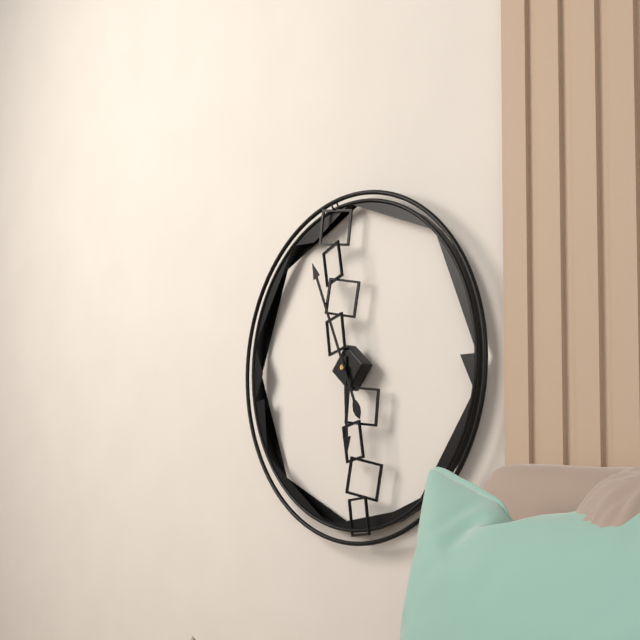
5 h 56 min
